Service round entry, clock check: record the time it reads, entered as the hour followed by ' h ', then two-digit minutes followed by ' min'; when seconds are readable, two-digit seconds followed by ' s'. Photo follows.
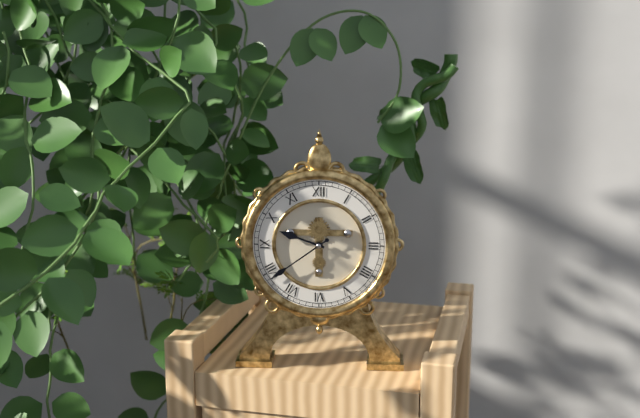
9 h 39 min
